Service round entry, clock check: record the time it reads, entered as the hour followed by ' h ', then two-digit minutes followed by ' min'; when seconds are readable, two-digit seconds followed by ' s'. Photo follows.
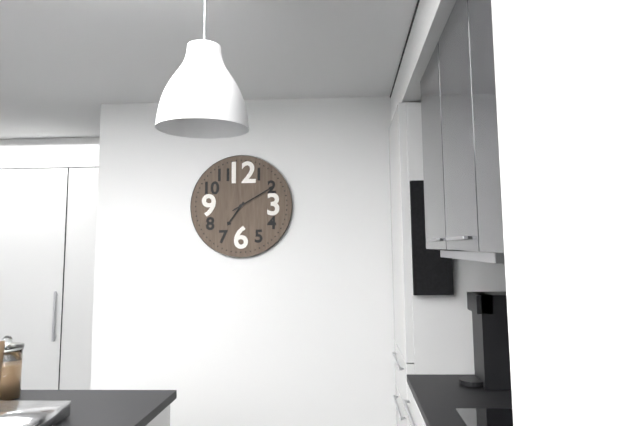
7 h 10 min
